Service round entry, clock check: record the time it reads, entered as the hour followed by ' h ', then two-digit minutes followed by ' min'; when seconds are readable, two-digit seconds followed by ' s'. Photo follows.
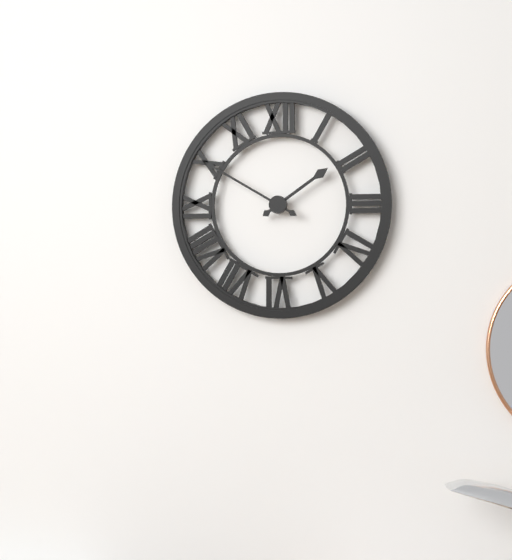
1 h 50 min
